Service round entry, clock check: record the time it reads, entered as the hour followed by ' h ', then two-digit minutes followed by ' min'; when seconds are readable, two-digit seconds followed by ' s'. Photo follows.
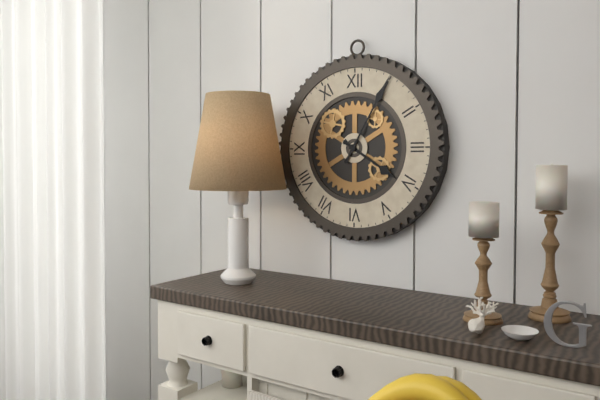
4 h 05 min
